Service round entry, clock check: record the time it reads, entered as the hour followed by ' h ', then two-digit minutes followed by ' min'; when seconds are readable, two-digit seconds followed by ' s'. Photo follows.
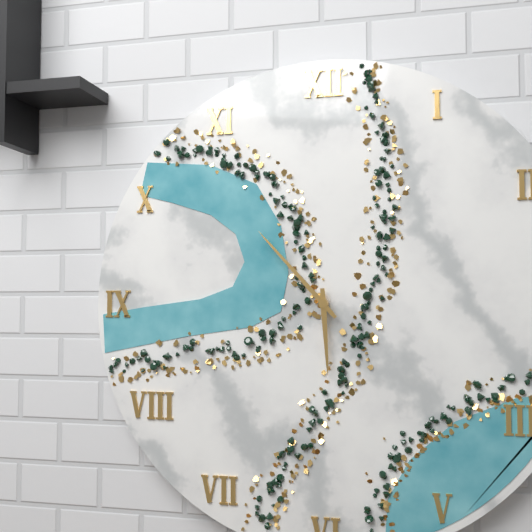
5 h 53 min
